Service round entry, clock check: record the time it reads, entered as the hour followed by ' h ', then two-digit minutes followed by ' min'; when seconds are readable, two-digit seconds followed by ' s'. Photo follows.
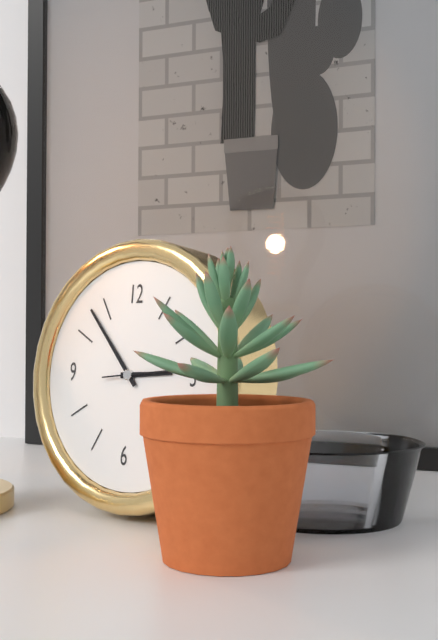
2 h 53 min
